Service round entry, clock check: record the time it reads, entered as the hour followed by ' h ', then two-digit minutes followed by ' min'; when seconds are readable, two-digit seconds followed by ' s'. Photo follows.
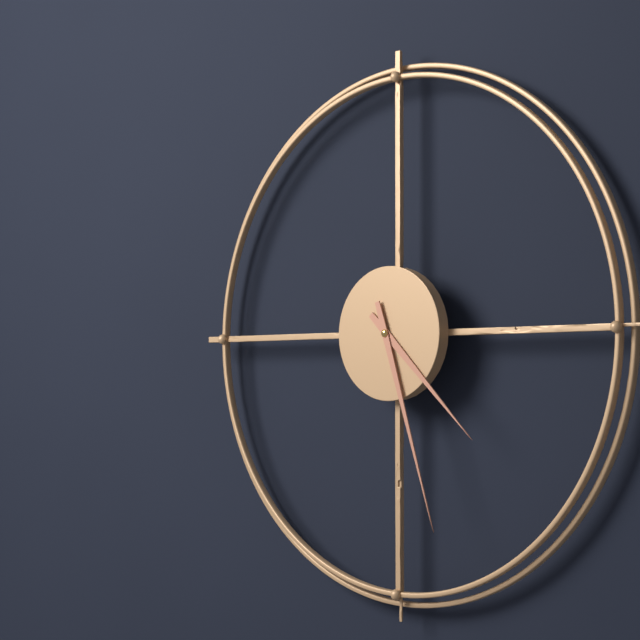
4 h 27 min
